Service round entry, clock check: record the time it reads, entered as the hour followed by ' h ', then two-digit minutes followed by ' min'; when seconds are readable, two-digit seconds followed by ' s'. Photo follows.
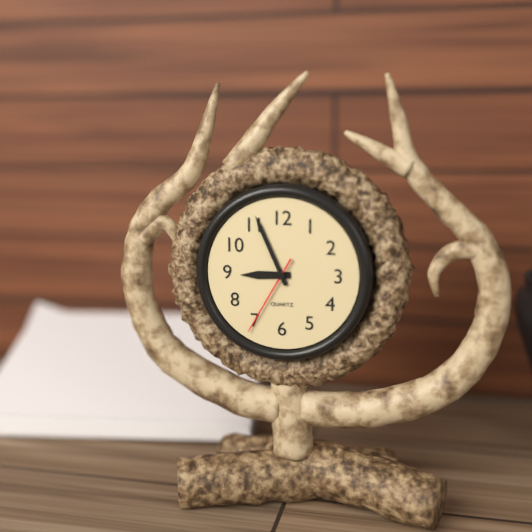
8 h 56 min 35 s
